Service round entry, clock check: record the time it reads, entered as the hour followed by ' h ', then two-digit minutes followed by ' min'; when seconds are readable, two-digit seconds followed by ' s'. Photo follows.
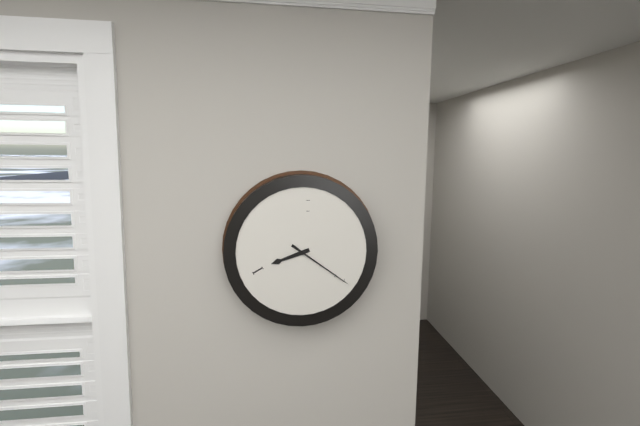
8 h 21 min
